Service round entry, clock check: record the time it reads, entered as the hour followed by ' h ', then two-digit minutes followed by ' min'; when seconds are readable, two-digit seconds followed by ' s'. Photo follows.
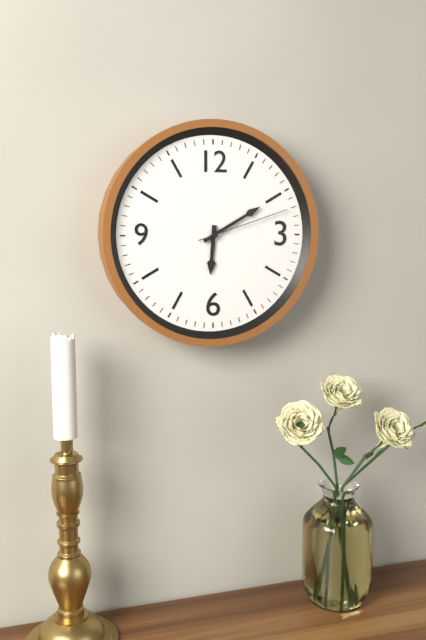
6 h 10 min 12 s
